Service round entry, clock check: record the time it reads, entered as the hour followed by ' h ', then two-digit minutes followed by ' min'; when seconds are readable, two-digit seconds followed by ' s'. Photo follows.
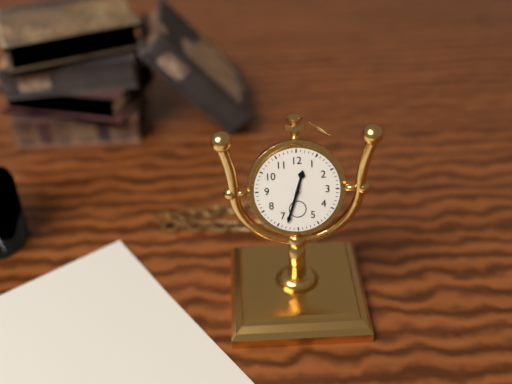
12 h 33 min
